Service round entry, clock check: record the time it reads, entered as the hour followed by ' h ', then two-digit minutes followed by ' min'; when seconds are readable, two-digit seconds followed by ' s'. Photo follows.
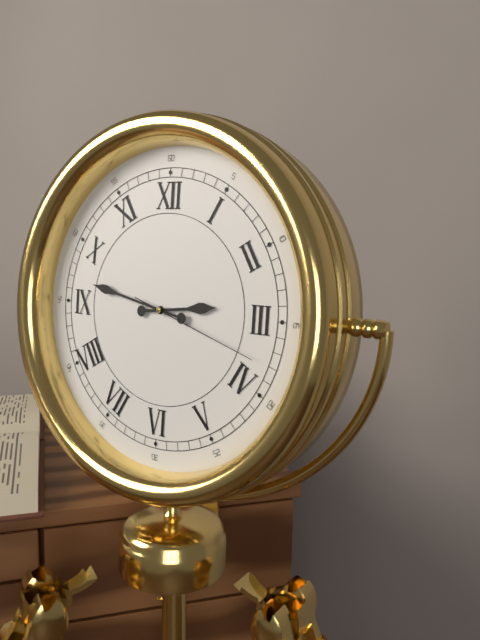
2 h 47 min 18 s
